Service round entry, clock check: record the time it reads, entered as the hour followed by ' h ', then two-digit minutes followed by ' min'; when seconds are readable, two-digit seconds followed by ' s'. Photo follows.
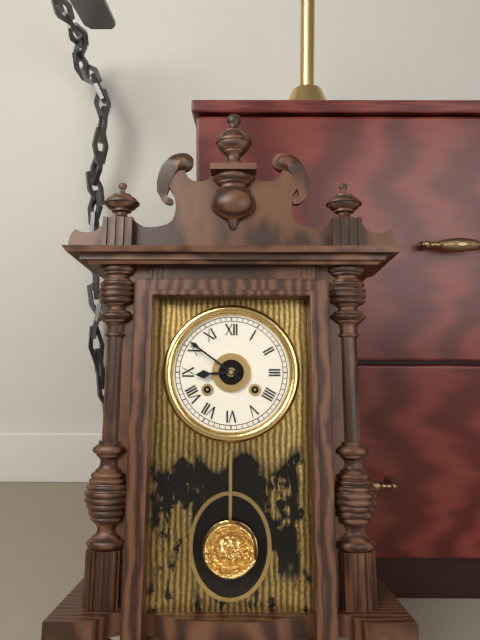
8 h 51 min
